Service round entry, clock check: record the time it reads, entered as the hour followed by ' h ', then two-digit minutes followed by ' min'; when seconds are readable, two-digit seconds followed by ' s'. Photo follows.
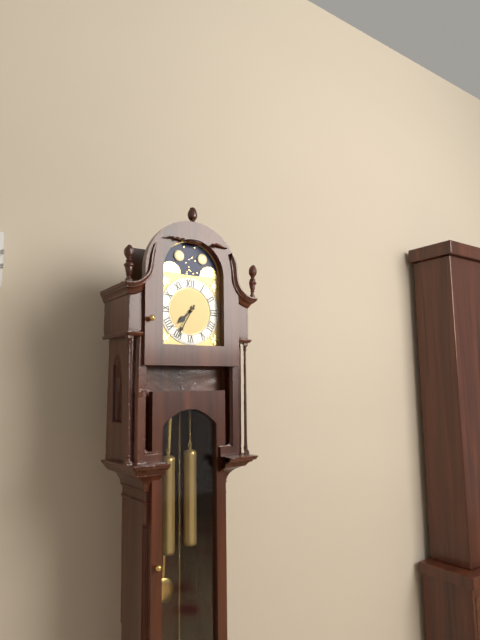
7 h 35 min
